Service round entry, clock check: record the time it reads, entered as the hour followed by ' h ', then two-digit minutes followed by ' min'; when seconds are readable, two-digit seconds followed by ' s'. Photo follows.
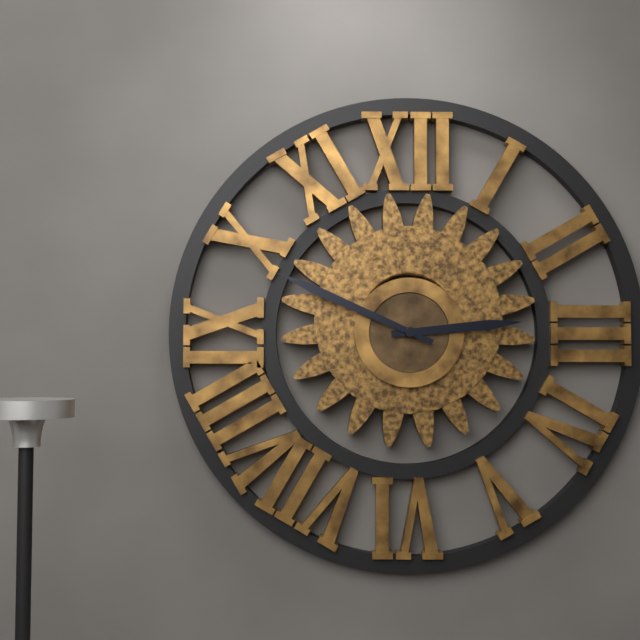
2 h 49 min
